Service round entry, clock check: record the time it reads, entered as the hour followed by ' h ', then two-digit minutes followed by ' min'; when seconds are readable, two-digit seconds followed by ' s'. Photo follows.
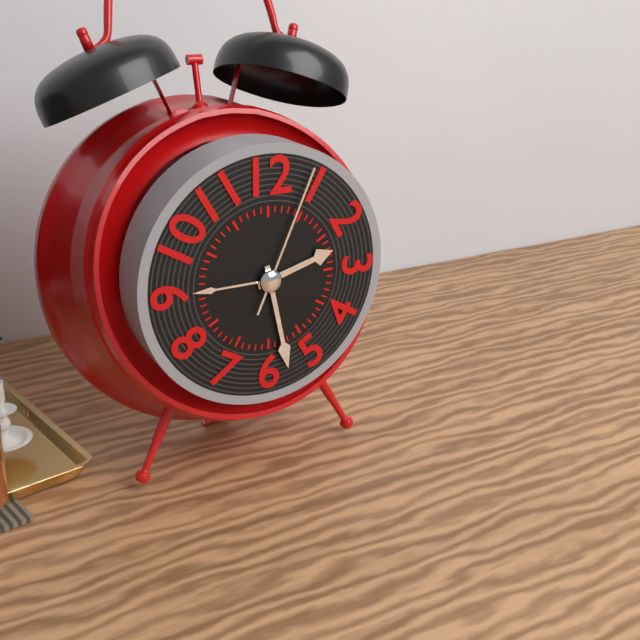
2 h 28 min 04 s
